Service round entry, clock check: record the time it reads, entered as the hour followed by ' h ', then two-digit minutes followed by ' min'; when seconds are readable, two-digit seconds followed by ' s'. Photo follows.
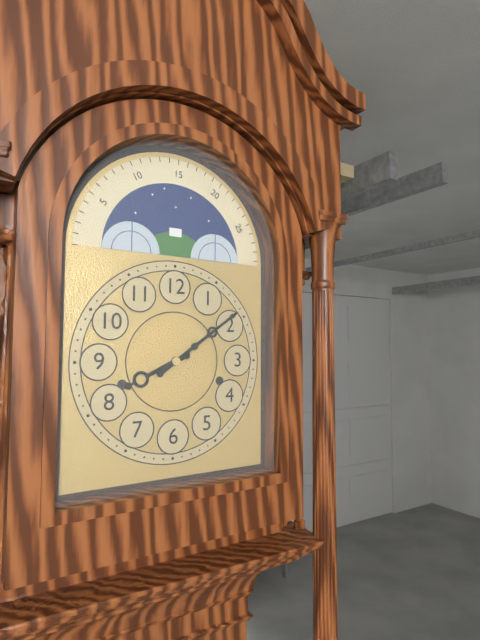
8 h 09 min
